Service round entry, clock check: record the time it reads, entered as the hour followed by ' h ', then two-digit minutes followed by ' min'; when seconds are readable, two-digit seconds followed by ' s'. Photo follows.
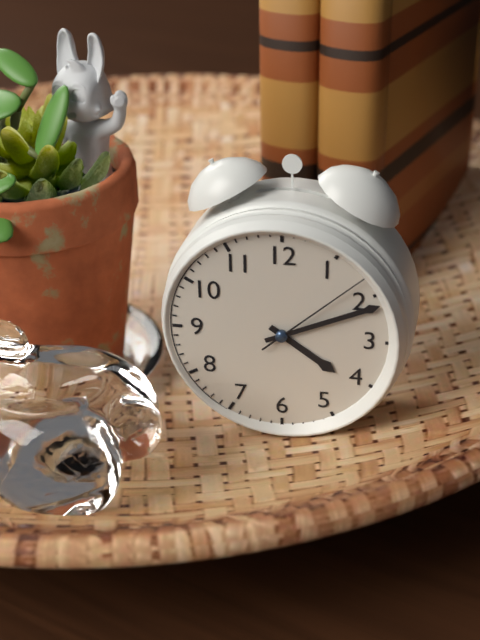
4 h 11 min 08 s
